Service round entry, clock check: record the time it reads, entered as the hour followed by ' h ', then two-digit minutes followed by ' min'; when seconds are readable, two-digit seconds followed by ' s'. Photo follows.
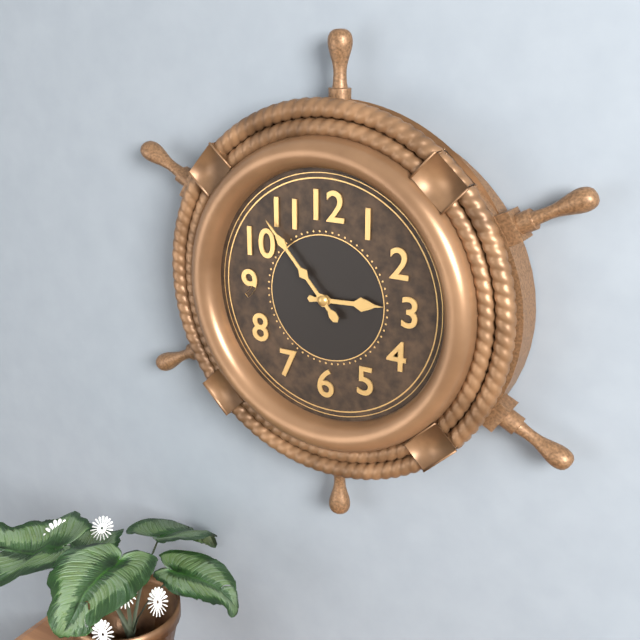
2 h 53 min
